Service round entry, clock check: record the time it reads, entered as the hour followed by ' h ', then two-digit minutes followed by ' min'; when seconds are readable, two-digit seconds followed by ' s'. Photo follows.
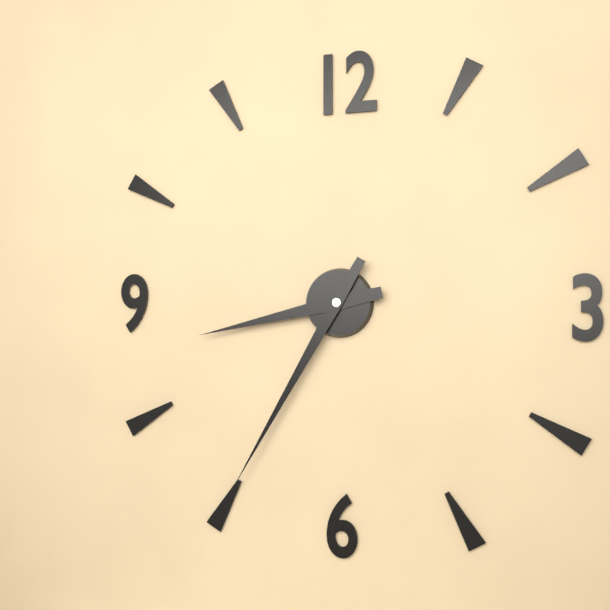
8 h 35 min
